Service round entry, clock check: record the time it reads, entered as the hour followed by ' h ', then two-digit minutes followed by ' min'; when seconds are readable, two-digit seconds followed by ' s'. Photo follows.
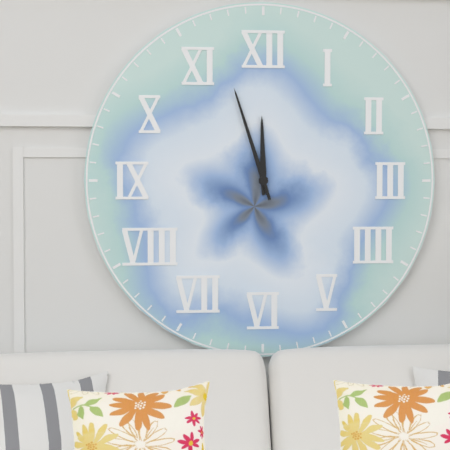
11 h 57 min
